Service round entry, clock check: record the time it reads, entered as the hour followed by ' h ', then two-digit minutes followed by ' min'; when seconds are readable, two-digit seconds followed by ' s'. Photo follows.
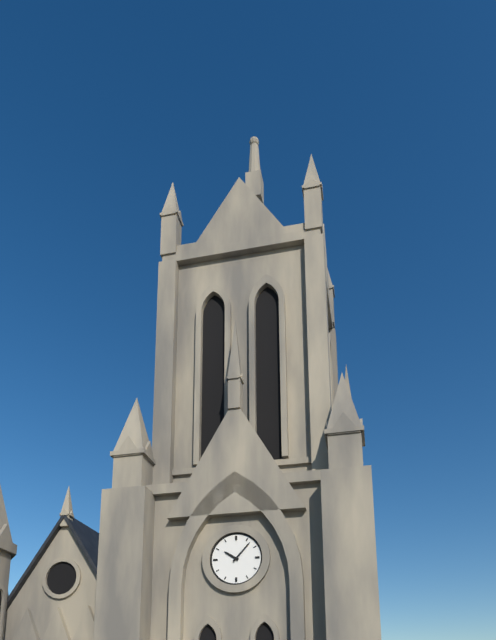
10 h 07 min
